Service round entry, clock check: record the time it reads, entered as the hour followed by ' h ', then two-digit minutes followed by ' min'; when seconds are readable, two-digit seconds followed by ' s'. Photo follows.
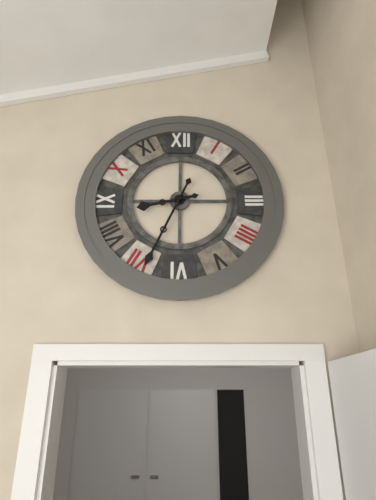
8 h 34 min
